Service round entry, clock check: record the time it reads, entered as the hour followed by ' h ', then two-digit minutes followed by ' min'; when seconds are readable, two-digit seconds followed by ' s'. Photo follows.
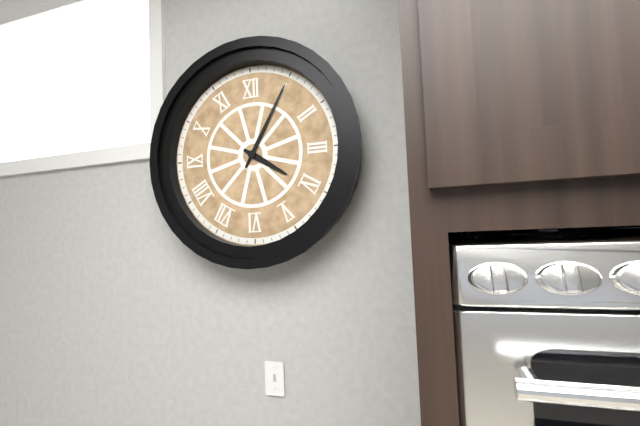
4 h 05 min
